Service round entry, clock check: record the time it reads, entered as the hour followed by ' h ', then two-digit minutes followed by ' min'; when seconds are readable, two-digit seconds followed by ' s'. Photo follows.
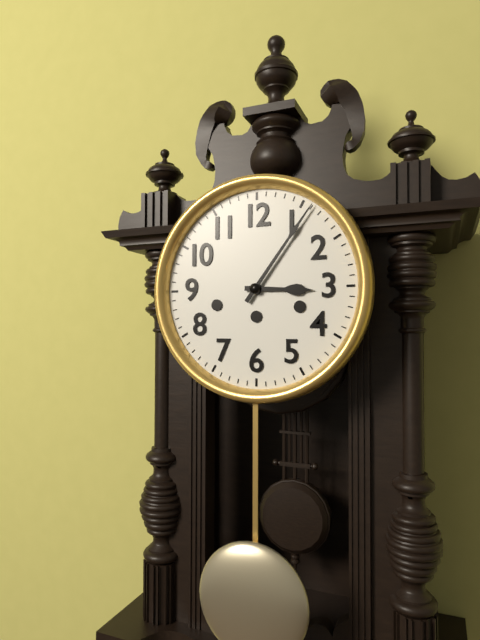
3 h 06 min
